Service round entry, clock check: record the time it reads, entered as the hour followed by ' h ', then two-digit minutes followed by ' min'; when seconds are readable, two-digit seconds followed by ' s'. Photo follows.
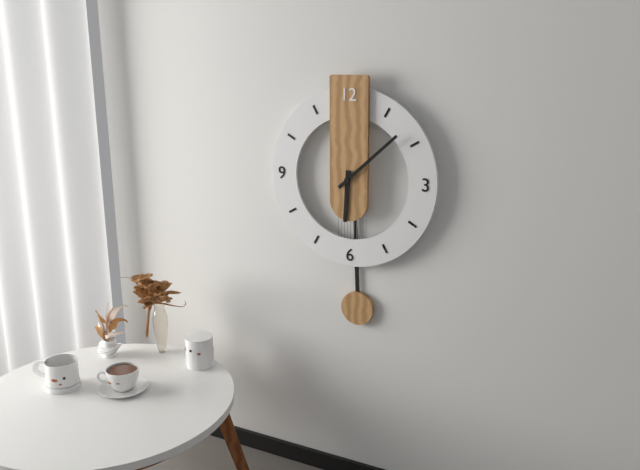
6 h 08 min
